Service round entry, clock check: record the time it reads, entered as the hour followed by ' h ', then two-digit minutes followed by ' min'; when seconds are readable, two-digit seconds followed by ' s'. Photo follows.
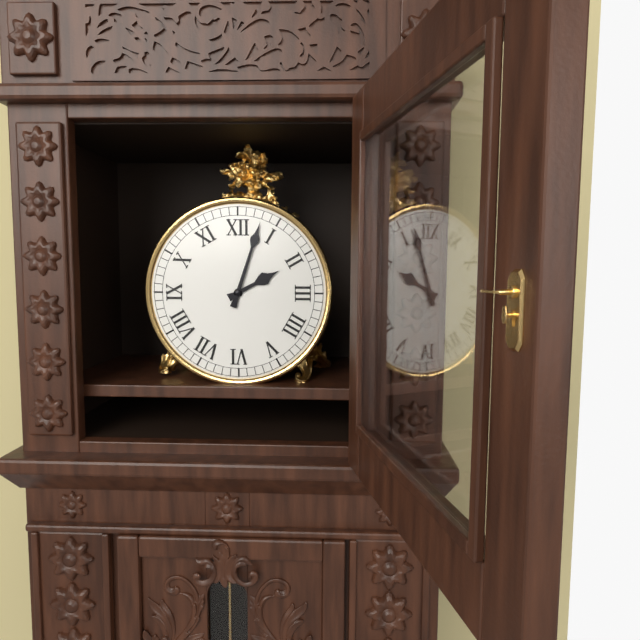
2 h 03 min
